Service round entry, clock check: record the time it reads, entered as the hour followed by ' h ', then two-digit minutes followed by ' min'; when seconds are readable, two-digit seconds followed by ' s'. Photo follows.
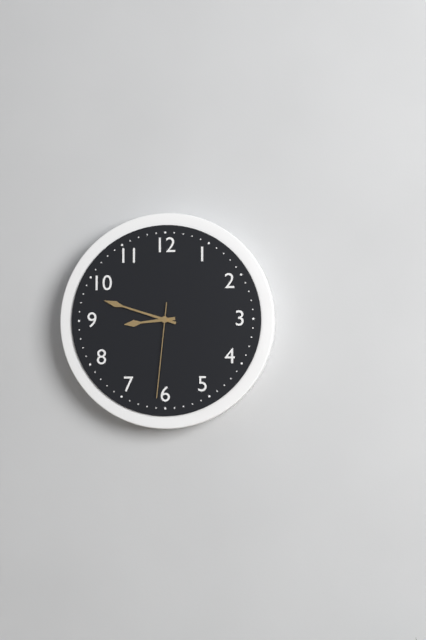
8 h 48 min 31 s
